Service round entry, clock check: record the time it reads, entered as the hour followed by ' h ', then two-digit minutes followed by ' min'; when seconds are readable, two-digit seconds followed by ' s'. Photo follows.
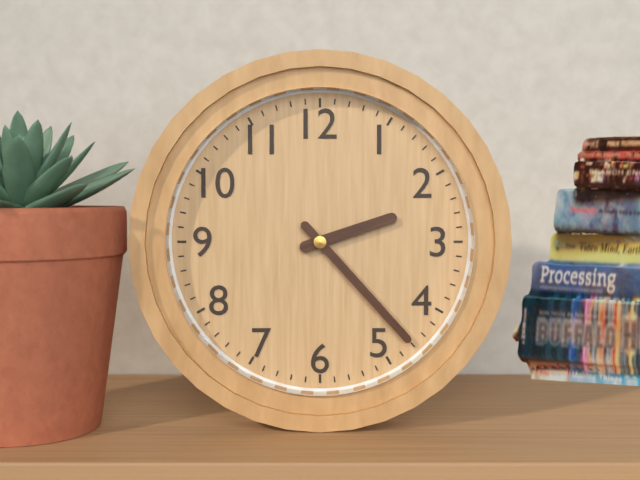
2 h 23 min
